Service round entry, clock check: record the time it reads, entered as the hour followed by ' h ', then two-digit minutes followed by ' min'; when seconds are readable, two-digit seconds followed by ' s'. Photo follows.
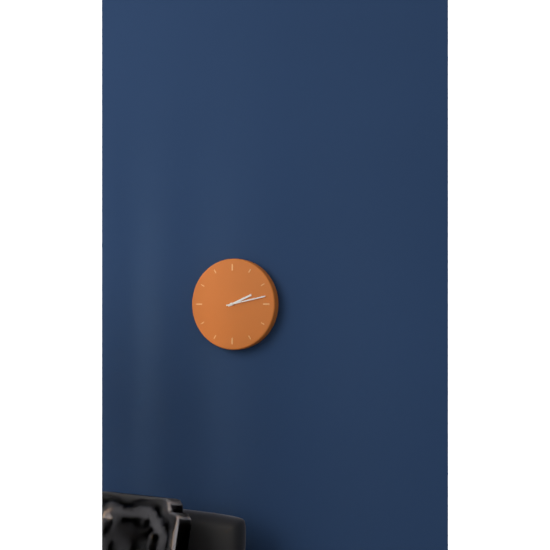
2 h 13 min
